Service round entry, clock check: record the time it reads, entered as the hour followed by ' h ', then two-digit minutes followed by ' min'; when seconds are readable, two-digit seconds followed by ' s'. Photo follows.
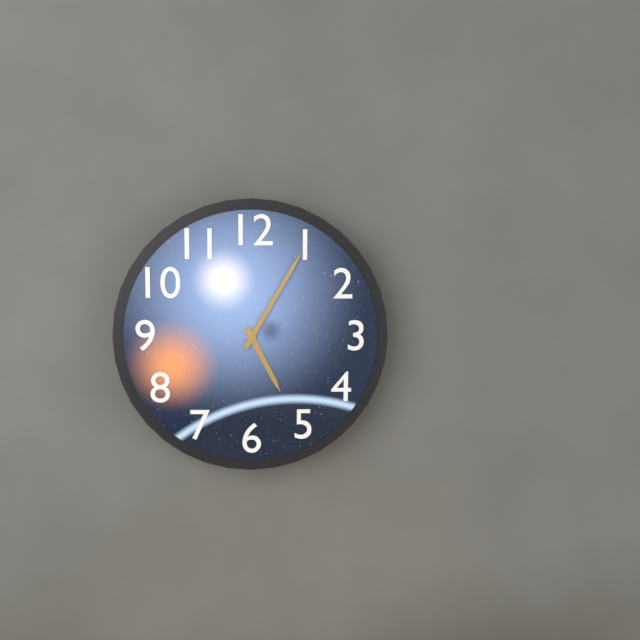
5 h 05 min
